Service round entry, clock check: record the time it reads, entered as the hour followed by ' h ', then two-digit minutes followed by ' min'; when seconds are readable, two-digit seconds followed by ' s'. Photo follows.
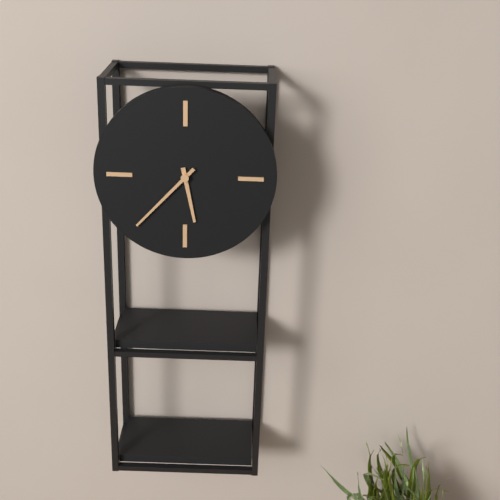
5 h 37 min
